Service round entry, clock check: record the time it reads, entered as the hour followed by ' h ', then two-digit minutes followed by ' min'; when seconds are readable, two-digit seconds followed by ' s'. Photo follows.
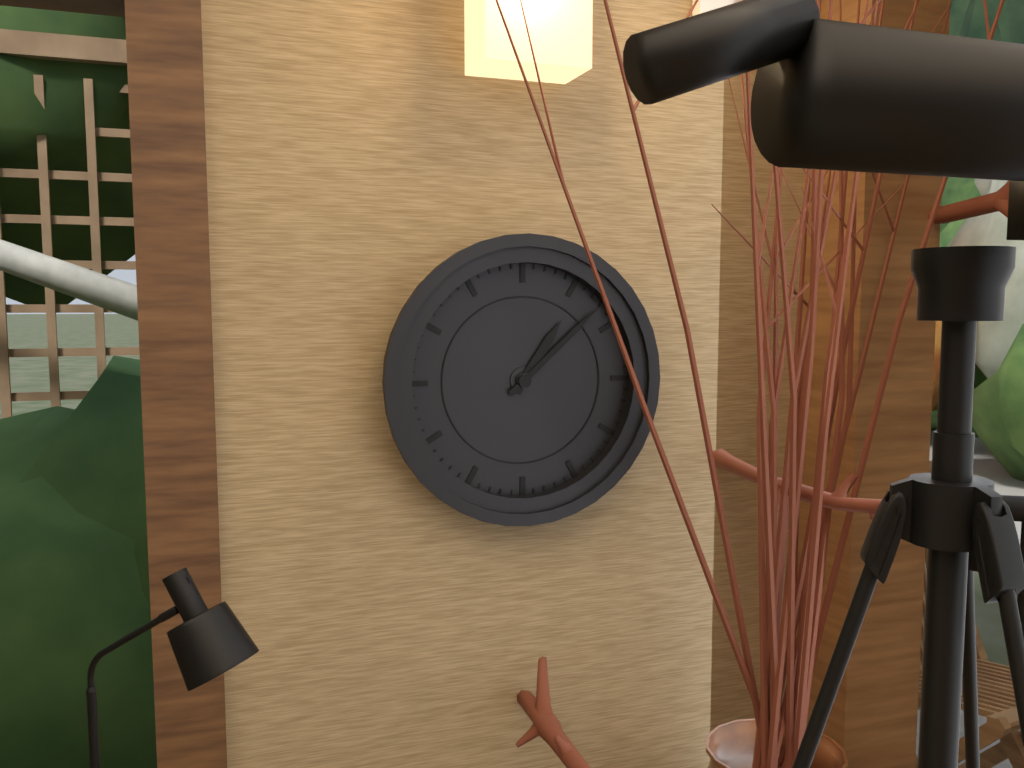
1 h 08 min
